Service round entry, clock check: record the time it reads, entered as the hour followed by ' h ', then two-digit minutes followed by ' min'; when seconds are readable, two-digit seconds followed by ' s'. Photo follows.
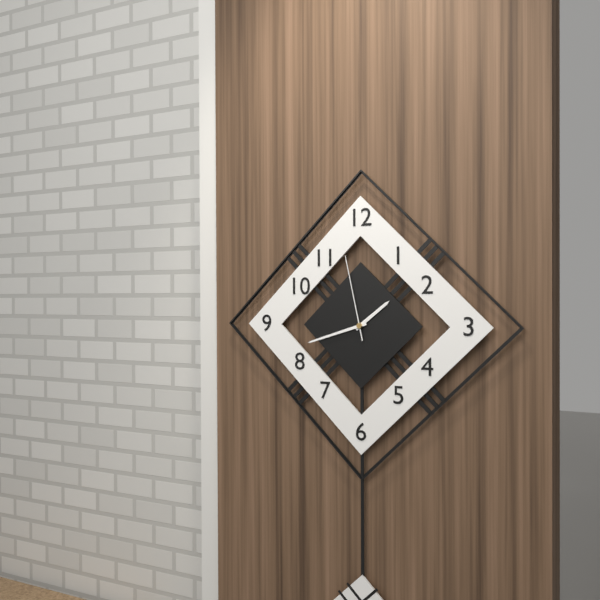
1 h 42 min 58 s
